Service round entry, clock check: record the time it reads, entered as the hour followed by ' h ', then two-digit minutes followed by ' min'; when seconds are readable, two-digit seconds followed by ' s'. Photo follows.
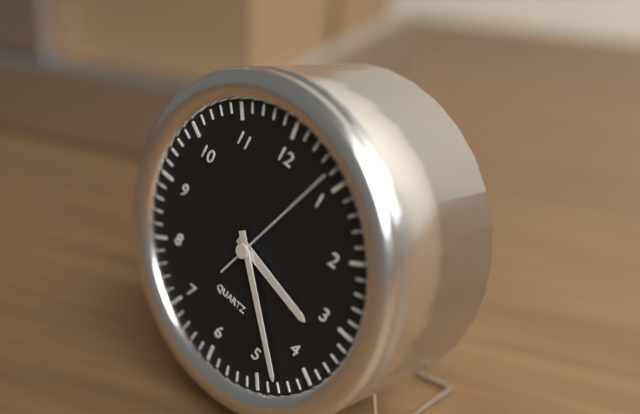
3 h 23 min 04 s
